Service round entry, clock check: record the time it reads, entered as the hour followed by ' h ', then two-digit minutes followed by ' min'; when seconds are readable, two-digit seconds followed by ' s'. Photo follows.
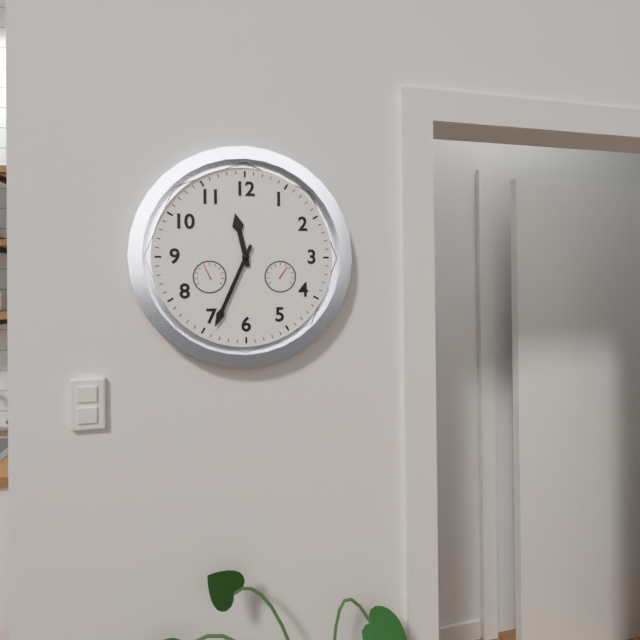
11 h 34 min
